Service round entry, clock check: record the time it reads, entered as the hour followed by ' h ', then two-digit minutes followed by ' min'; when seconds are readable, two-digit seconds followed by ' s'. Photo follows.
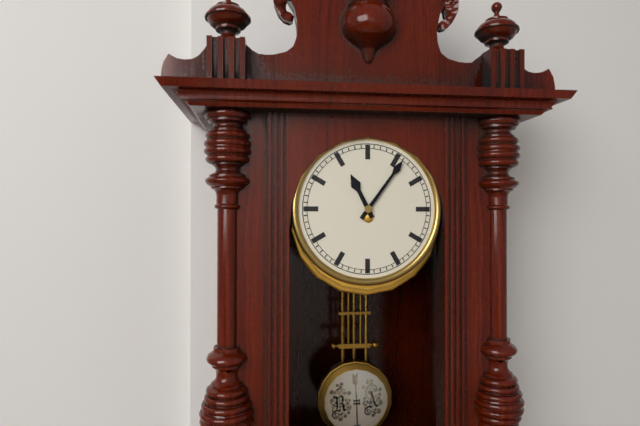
11 h 06 min
